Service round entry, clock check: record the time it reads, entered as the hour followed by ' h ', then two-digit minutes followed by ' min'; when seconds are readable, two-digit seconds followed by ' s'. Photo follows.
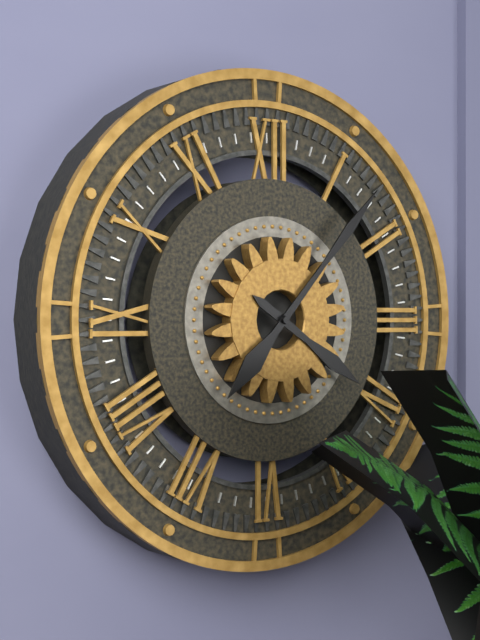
4 h 07 min
